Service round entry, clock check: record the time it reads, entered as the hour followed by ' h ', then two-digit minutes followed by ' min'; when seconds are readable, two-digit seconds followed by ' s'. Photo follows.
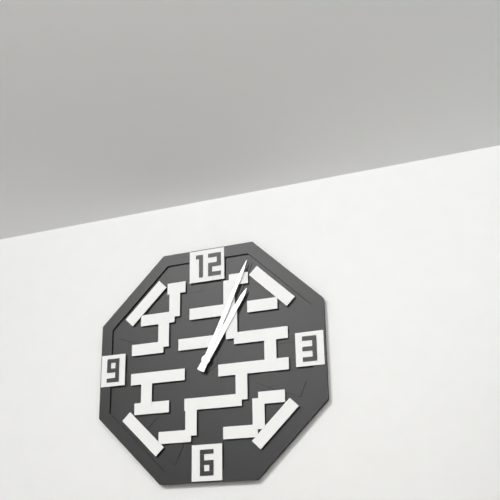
1 h 04 min
